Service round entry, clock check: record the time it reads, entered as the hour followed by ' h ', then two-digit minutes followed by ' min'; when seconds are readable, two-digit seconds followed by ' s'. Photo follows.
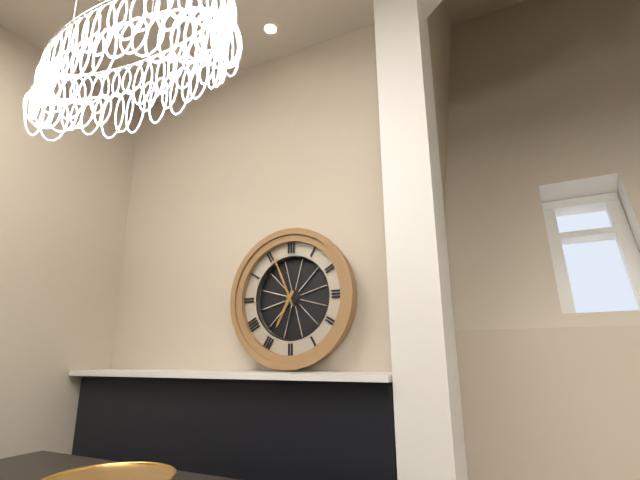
6 h 56 min
